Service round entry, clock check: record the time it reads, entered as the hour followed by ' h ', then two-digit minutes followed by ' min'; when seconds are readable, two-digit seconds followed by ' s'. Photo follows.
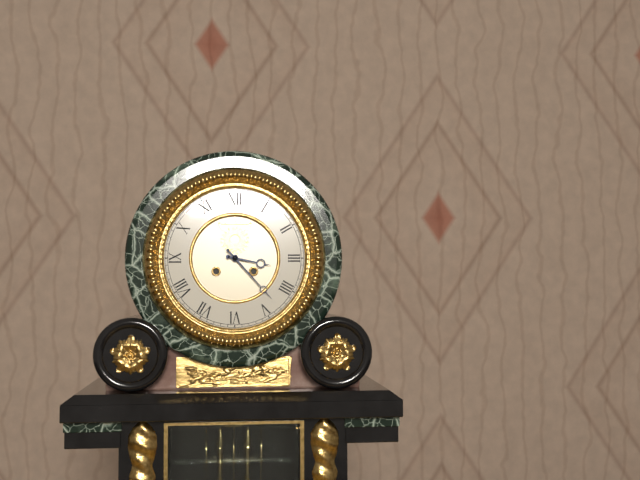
3 h 23 min
